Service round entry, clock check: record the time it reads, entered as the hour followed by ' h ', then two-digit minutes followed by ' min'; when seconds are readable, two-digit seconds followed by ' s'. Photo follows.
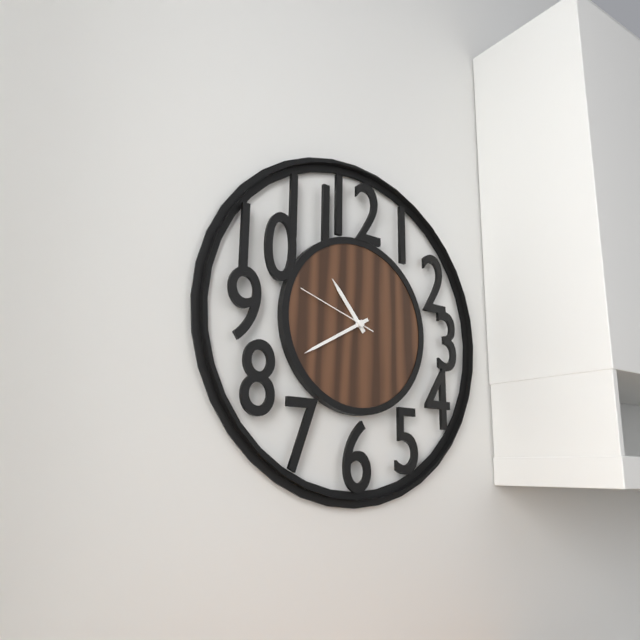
10 h 40 min 48 s
